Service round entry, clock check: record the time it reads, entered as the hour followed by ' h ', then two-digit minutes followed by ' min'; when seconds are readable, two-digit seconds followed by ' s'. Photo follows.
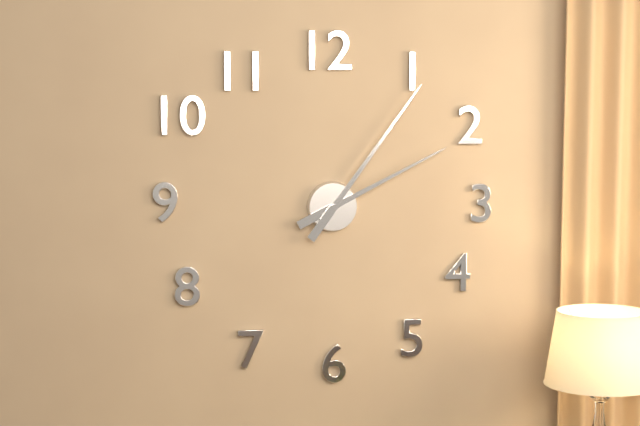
2 h 06 min
